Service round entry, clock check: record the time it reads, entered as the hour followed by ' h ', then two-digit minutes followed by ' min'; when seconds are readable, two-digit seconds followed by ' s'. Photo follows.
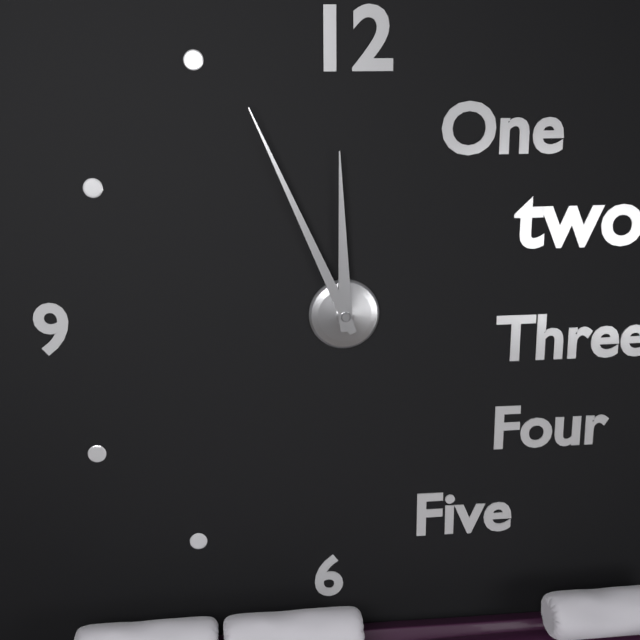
11 h 56 min
